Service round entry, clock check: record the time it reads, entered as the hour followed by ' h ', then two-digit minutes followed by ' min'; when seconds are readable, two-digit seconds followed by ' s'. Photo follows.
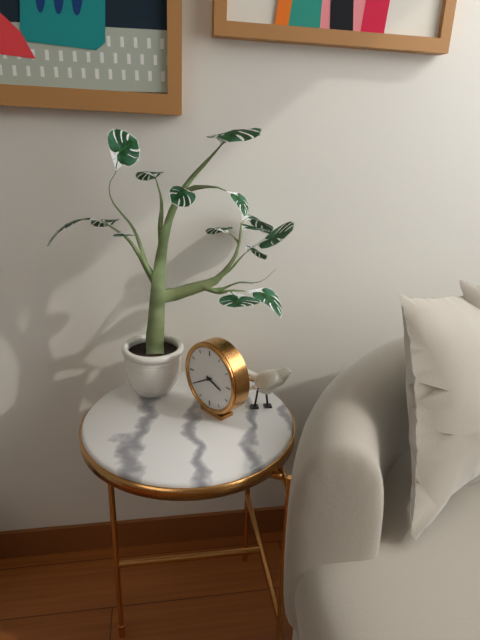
3 h 40 min
